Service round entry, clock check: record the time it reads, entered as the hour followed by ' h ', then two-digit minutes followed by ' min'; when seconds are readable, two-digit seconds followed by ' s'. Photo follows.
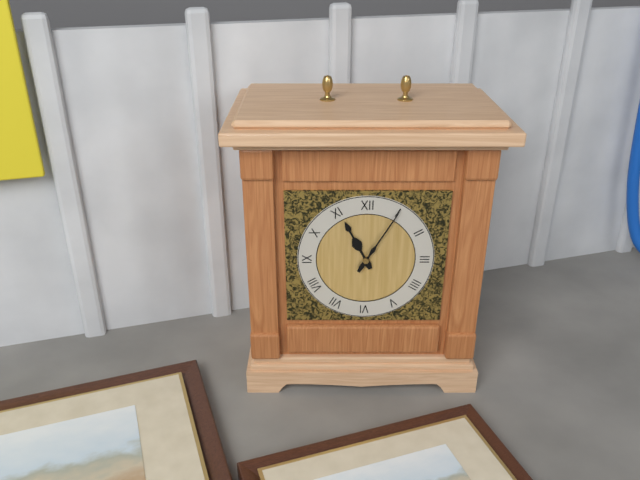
11 h 05 min
